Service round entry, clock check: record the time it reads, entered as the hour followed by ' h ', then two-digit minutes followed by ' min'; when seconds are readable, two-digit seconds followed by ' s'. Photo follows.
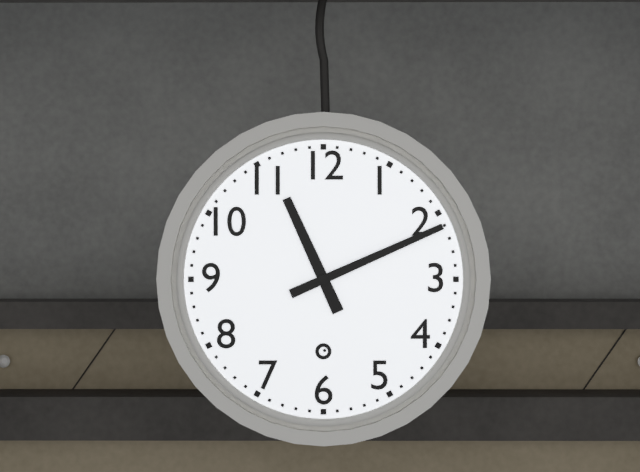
11 h 11 min
